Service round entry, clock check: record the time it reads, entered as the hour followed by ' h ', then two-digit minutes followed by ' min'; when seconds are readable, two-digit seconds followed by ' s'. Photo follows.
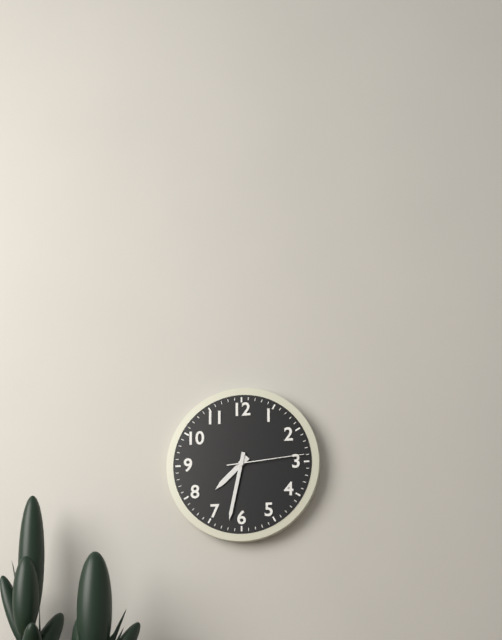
7 h 32 min 14 s
